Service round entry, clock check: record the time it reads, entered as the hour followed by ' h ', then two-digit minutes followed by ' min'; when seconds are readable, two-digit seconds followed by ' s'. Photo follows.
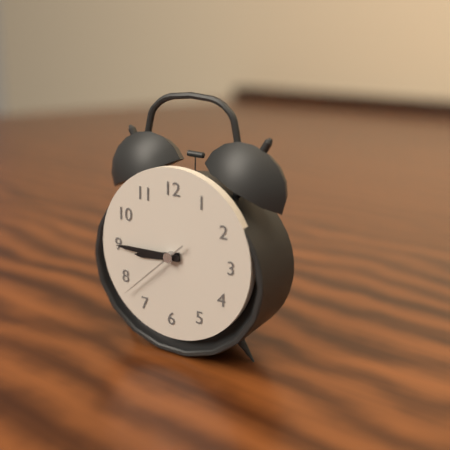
8 h 45 min 38 s
